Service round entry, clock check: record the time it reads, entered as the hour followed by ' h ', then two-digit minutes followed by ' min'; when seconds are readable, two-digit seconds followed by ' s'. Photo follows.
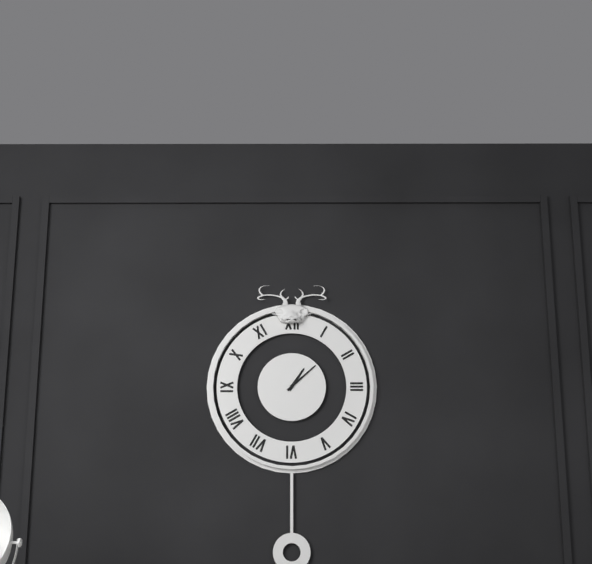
1 h 08 min
